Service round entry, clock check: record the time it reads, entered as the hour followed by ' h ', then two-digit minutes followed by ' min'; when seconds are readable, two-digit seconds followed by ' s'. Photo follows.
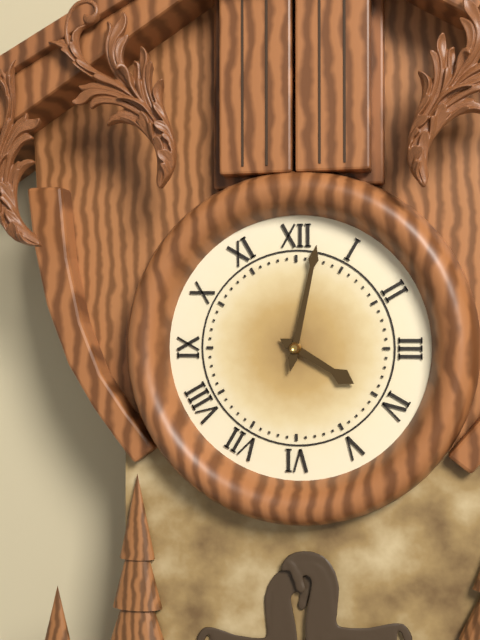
4 h 02 min
